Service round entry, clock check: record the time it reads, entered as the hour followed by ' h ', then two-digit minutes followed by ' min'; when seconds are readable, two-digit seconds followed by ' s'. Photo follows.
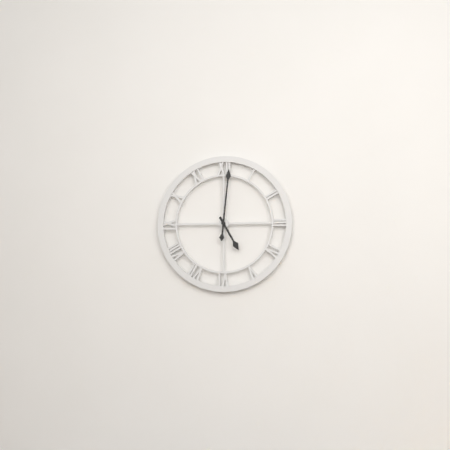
5 h 01 min
